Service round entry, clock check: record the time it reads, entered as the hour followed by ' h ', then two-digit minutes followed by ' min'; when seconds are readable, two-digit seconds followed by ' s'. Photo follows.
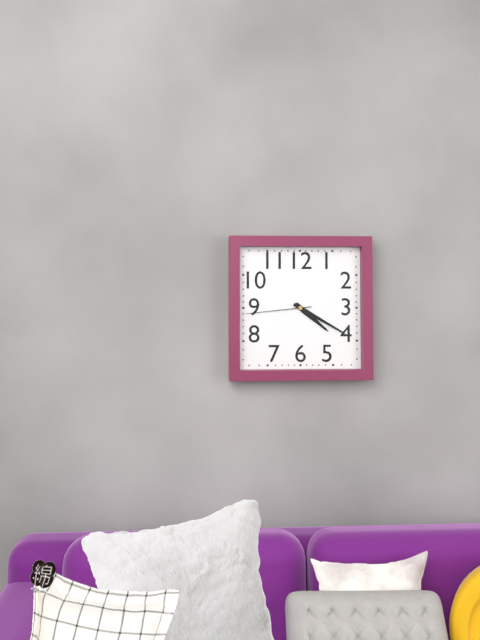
4 h 20 min 44 s
